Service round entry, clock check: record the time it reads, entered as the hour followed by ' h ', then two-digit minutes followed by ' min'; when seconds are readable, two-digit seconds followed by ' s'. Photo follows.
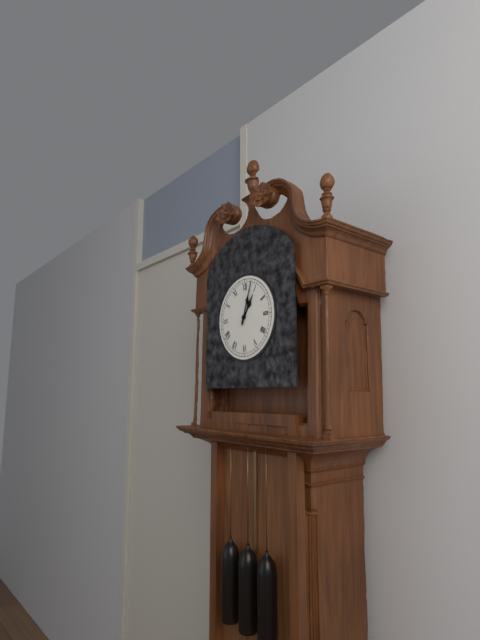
1 h 03 min
